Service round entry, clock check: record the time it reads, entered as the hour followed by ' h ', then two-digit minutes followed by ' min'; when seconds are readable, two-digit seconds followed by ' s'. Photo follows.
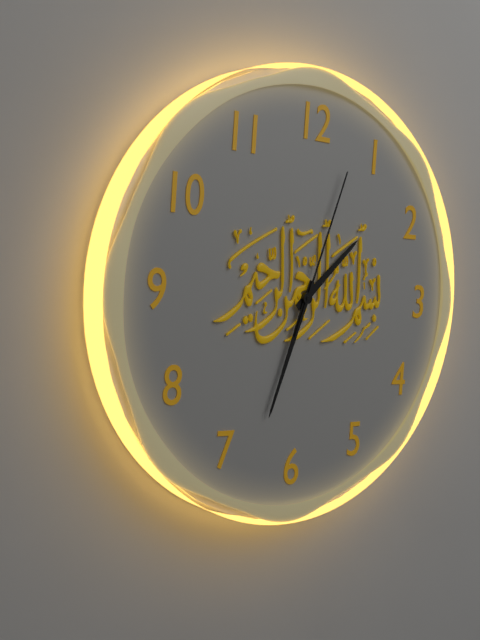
1 h 33 min 03 s
